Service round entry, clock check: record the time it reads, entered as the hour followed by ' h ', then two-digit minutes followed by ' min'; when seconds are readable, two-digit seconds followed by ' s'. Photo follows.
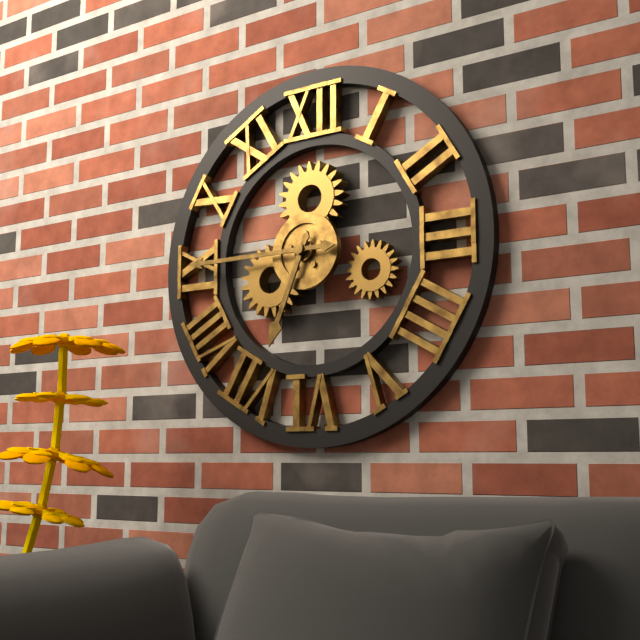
6 h 45 min
